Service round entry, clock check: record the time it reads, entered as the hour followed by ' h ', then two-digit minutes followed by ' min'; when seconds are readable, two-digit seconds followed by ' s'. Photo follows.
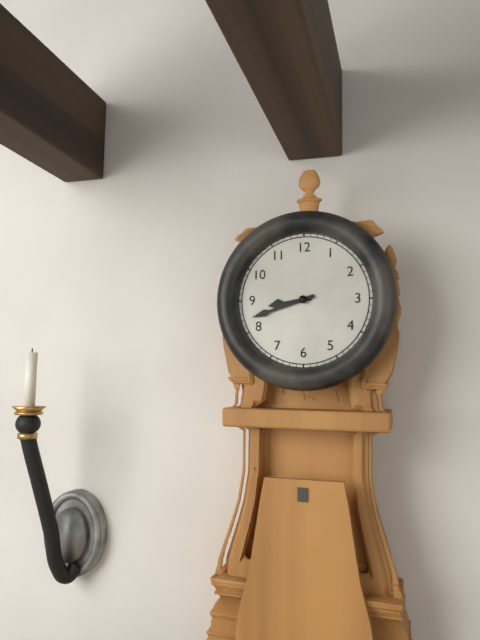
8 h 42 min
